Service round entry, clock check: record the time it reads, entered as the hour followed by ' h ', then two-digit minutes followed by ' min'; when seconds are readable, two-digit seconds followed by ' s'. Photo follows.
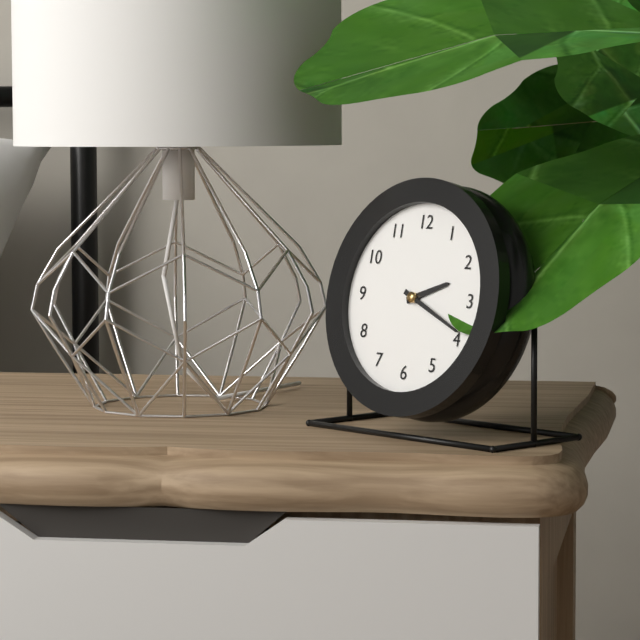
2 h 19 min
